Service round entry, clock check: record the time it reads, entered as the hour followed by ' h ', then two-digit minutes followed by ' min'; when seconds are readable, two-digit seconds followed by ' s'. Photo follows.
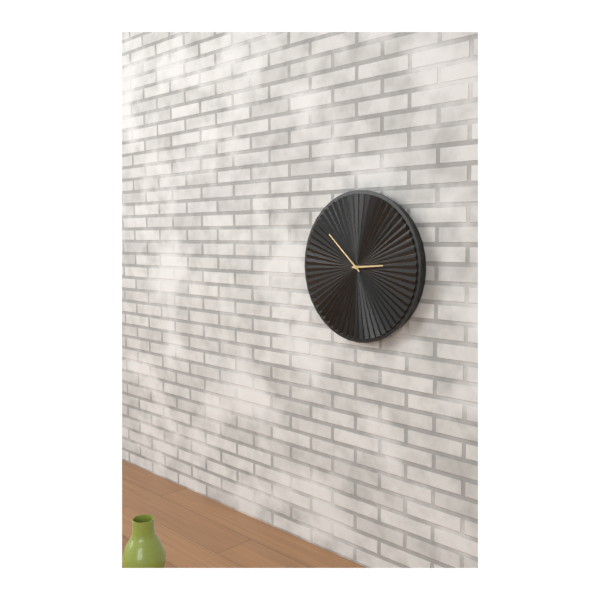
2 h 52 min
